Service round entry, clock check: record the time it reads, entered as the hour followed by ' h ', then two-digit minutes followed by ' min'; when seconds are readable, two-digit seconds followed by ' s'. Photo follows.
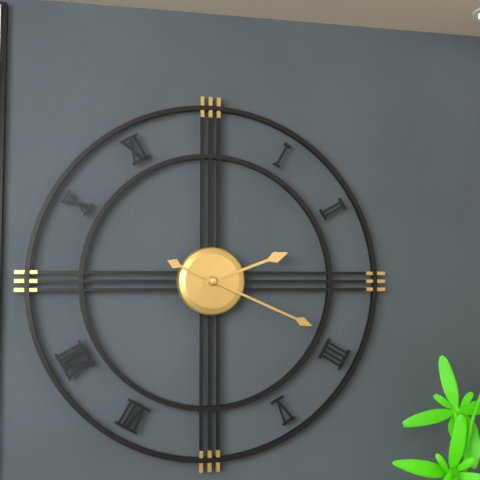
2 h 19 min
